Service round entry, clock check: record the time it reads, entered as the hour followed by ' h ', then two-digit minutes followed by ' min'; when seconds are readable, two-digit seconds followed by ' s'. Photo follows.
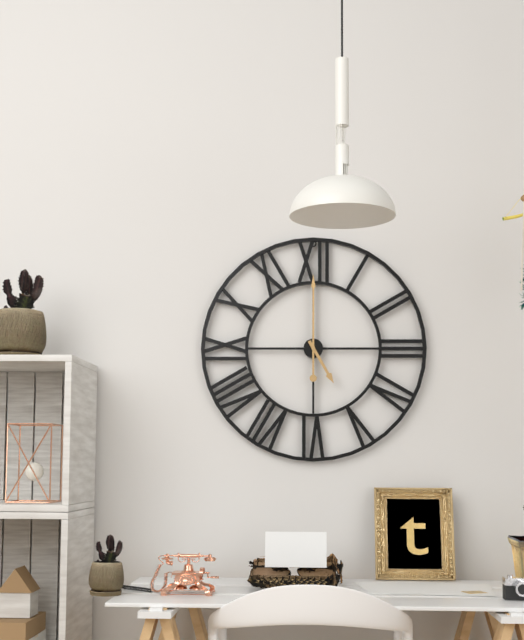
5 h 00 min
